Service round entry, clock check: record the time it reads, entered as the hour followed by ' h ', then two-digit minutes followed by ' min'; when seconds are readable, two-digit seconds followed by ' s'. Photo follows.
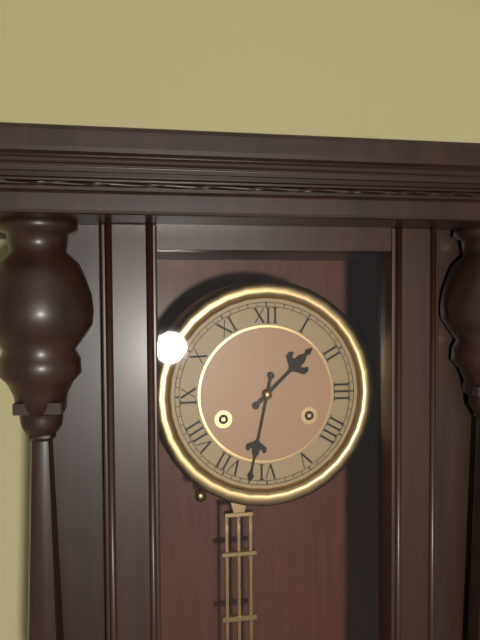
1 h 32 min
